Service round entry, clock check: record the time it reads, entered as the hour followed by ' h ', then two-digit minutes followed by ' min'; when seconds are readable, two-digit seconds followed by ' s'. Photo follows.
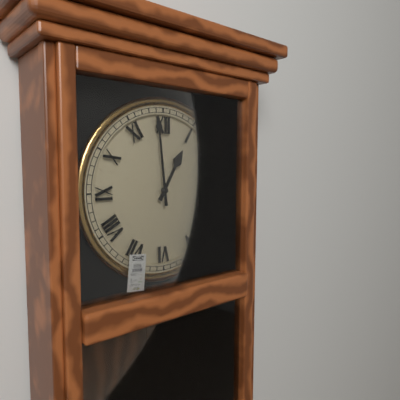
12 h 59 min
